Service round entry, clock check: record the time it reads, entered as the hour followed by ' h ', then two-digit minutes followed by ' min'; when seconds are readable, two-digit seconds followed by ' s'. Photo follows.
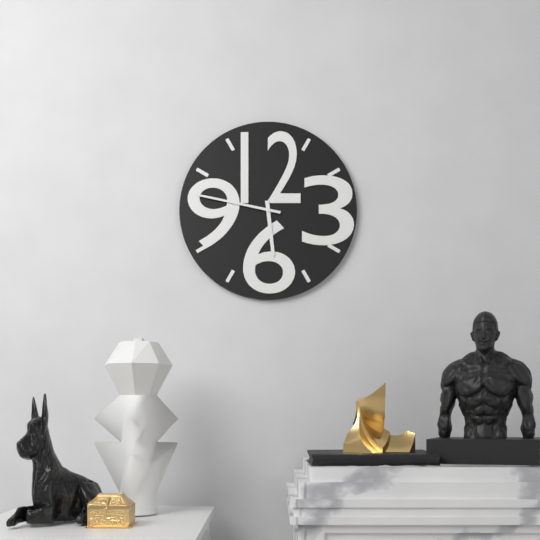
5 h 47 min
